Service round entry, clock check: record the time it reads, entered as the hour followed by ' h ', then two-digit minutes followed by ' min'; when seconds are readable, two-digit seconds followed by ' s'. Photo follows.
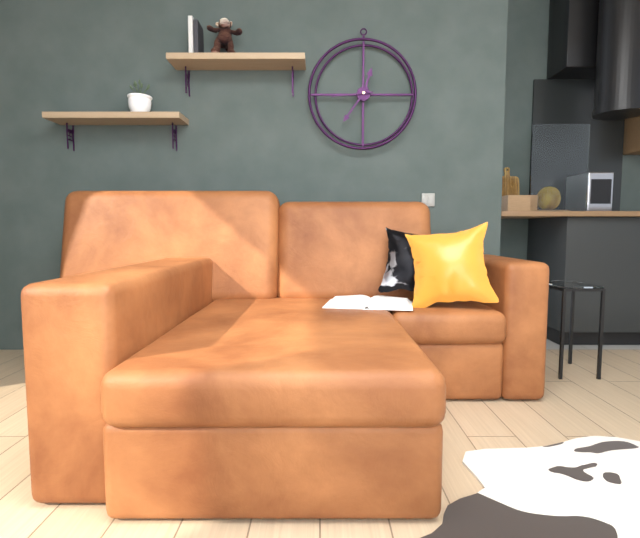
12 h 36 min
